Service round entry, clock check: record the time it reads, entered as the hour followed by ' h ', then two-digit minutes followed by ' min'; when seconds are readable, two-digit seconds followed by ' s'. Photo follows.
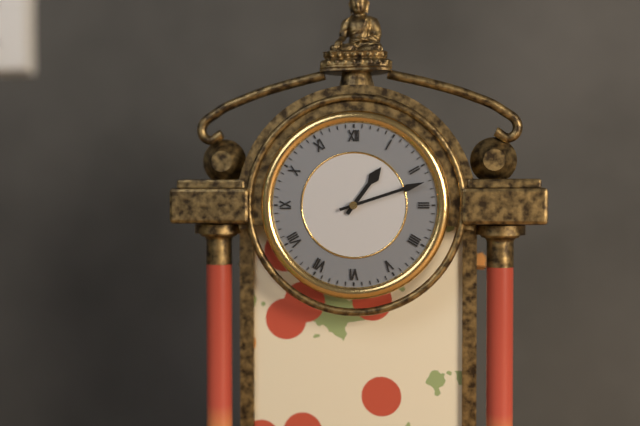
1 h 12 min
